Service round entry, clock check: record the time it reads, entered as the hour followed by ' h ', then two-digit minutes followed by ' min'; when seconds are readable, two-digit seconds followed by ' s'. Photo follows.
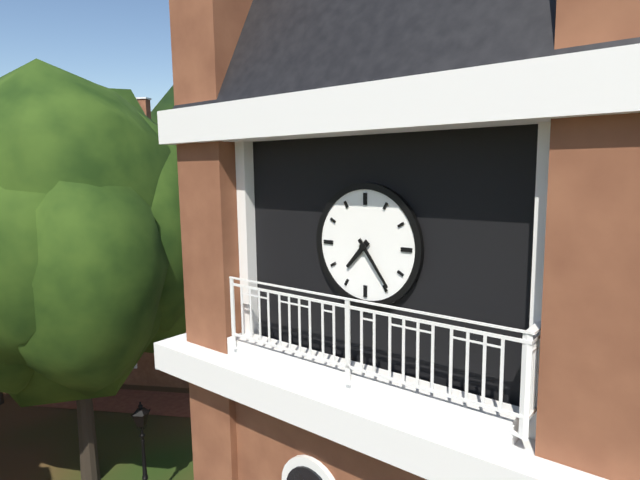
7 h 24 min
